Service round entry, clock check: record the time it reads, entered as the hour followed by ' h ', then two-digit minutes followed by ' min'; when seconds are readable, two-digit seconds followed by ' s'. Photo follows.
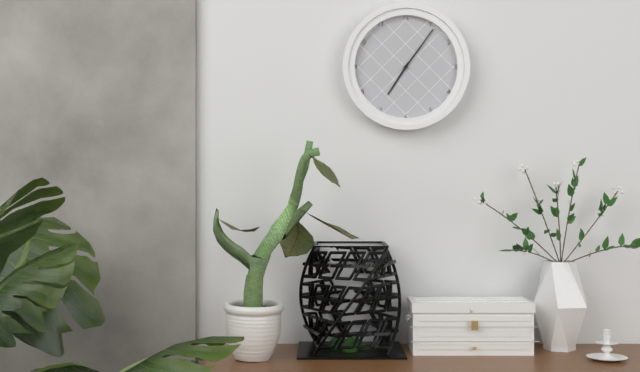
7 h 06 min
